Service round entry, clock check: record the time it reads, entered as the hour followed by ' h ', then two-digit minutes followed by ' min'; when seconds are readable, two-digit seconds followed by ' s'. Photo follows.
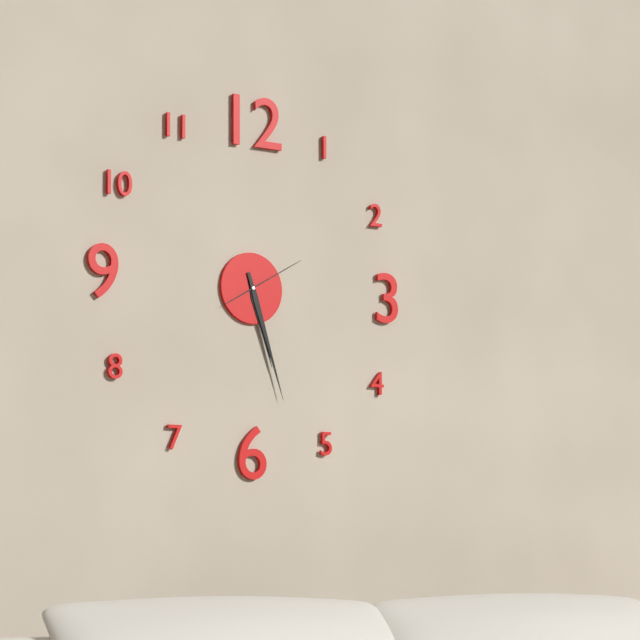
5 h 27 min 10 s
